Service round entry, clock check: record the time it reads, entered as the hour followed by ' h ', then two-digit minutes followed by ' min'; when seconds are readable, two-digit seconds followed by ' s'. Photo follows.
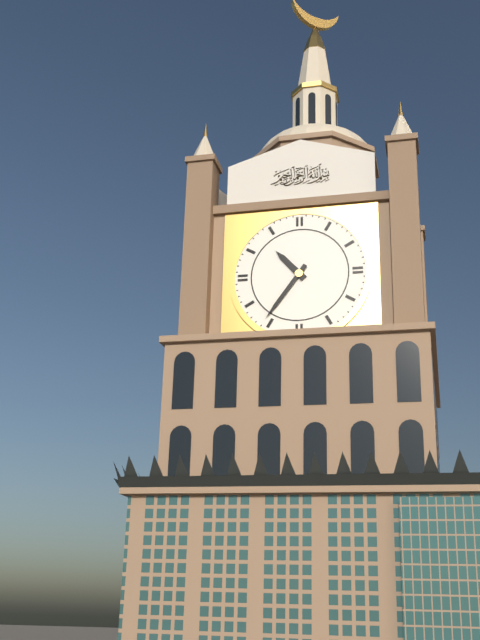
10 h 36 min
